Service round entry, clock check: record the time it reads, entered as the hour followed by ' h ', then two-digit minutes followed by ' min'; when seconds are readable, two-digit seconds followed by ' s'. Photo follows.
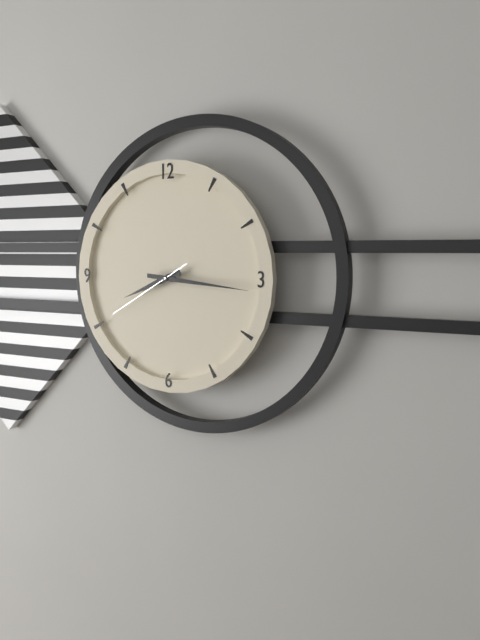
8 h 16 min 40 s
